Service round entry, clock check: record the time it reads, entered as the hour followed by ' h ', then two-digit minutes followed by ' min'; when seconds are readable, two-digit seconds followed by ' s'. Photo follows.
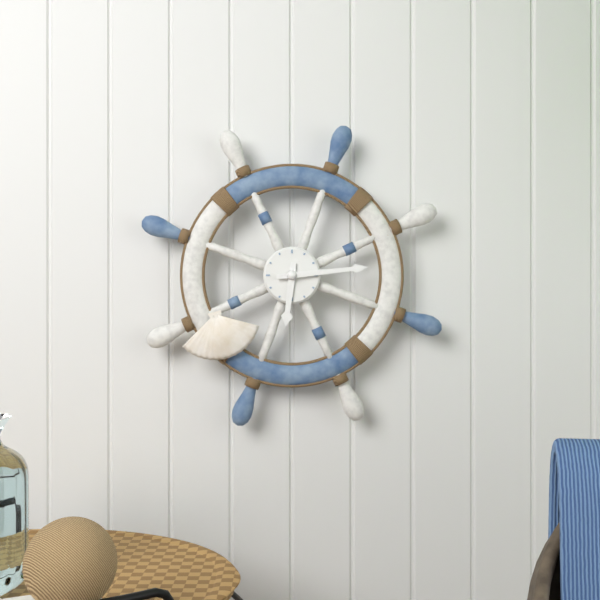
6 h 14 min
